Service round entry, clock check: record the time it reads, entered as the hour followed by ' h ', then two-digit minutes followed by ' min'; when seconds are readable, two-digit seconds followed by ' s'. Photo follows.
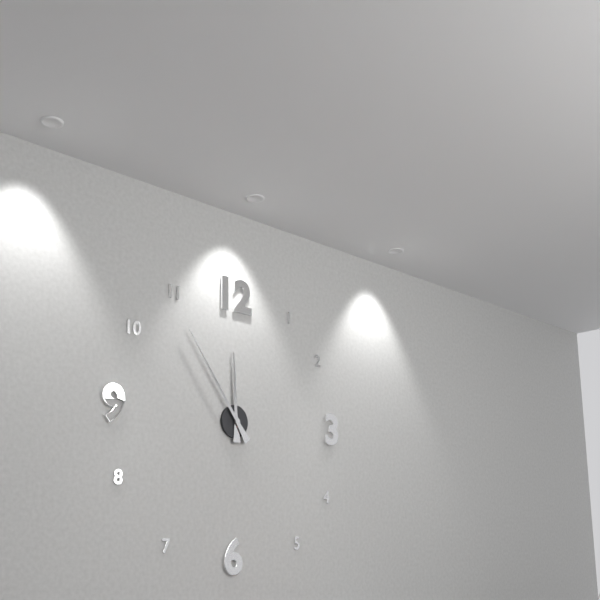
11 h 54 min
